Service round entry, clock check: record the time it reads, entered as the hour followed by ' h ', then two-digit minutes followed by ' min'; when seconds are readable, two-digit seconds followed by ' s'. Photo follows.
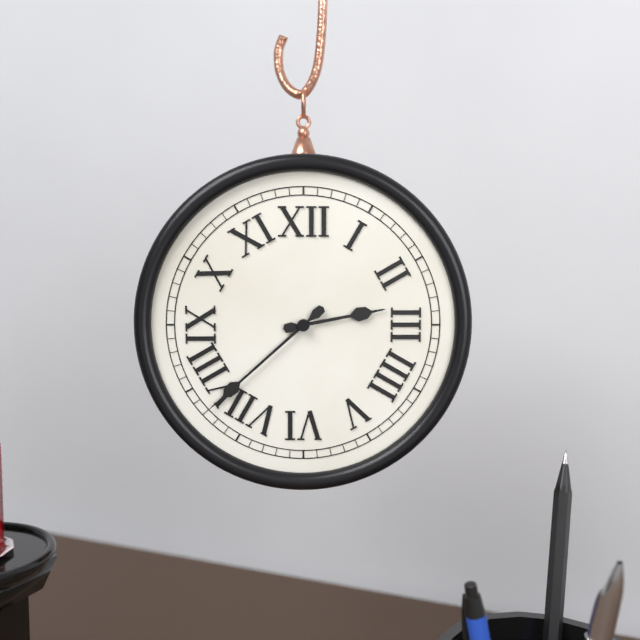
2 h 38 min
